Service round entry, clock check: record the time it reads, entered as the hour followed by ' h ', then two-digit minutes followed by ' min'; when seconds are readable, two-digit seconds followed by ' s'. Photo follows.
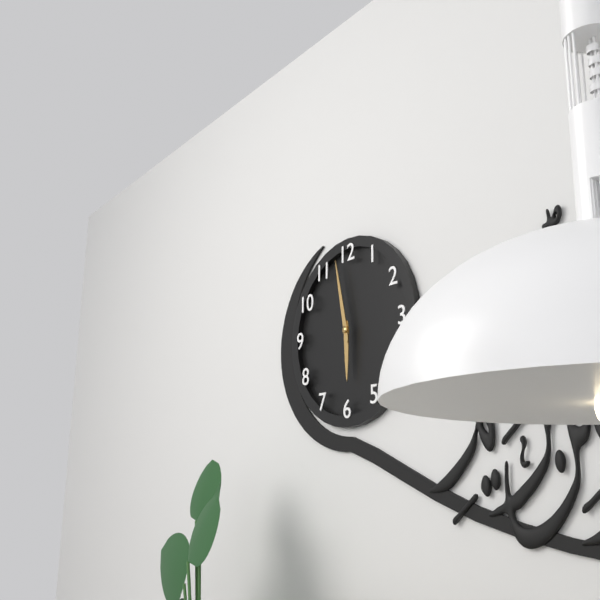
5 h 58 min
